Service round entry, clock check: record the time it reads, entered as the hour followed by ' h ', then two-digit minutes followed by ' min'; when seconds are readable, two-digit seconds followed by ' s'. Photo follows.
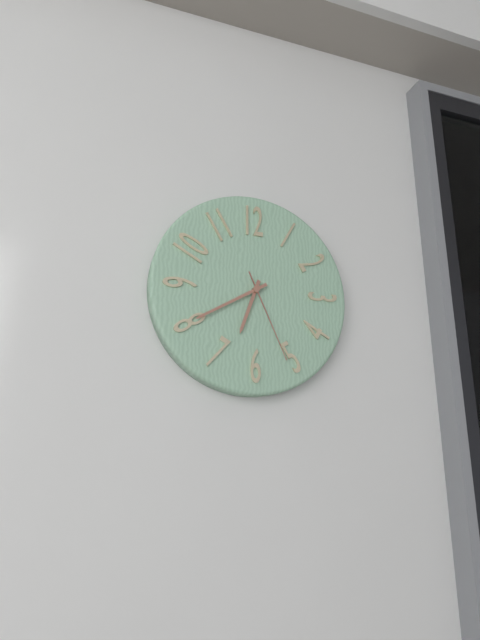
6 h 40 min 26 s
